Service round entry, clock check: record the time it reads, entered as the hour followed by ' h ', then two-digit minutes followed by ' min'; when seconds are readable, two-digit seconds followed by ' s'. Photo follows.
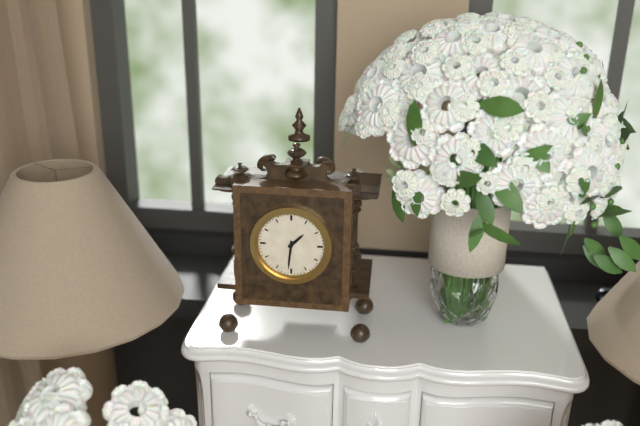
1 h 31 min
